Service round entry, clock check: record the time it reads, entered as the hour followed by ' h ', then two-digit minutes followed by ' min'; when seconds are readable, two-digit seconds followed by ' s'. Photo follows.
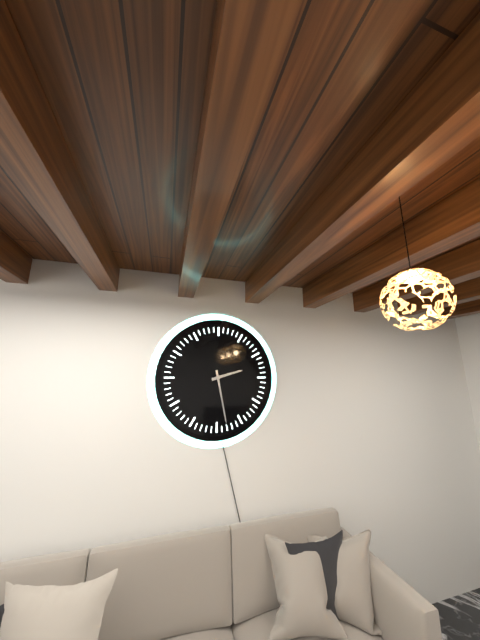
2 h 28 min
